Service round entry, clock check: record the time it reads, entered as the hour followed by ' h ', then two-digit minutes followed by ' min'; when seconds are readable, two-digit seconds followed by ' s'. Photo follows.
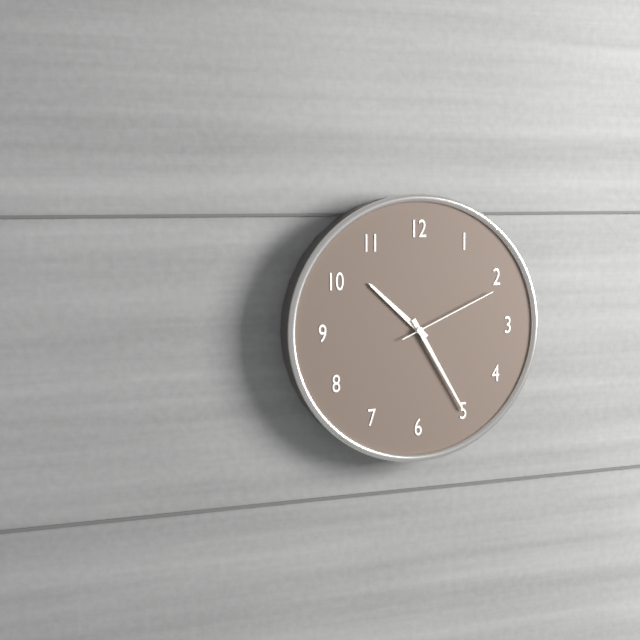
10 h 25 min 11 s
